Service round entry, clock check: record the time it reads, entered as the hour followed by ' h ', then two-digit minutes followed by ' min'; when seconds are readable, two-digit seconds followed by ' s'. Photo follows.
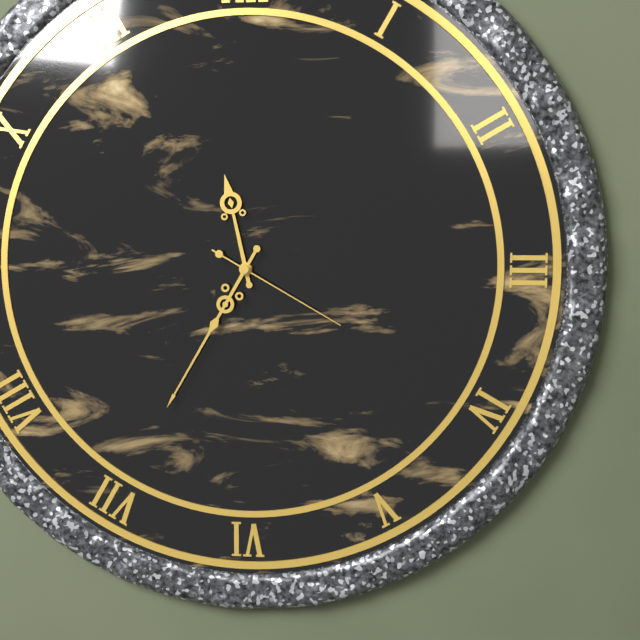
11 h 35 min 20 s
